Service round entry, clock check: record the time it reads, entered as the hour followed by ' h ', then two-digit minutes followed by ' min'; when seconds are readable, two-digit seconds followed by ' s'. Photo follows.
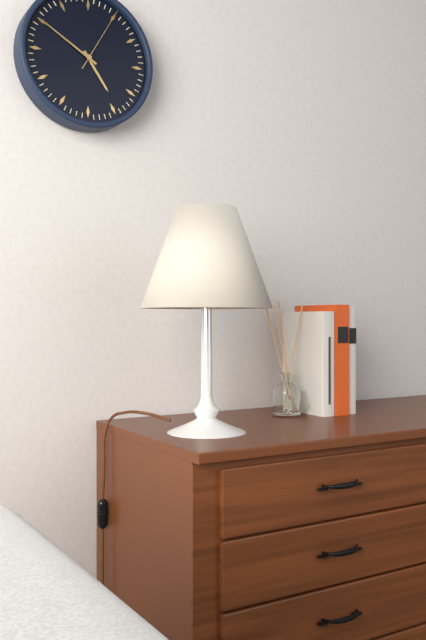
4 h 50 min 05 s
